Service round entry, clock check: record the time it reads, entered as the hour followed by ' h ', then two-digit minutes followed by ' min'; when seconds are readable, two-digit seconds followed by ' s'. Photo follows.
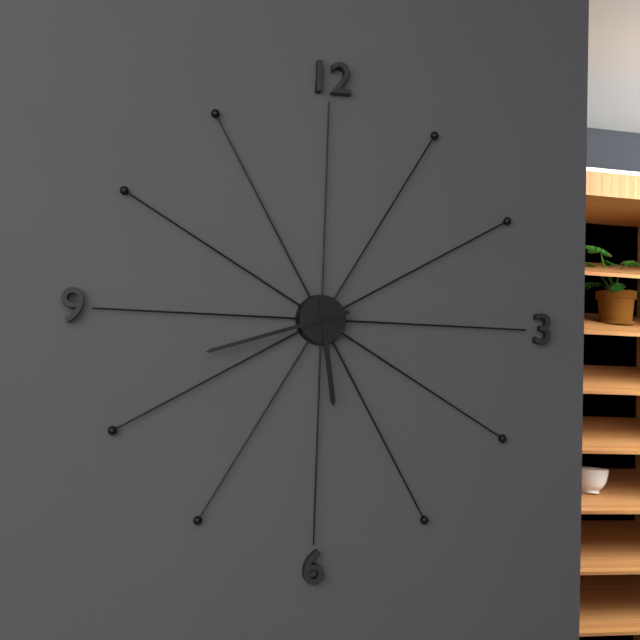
5 h 42 min
